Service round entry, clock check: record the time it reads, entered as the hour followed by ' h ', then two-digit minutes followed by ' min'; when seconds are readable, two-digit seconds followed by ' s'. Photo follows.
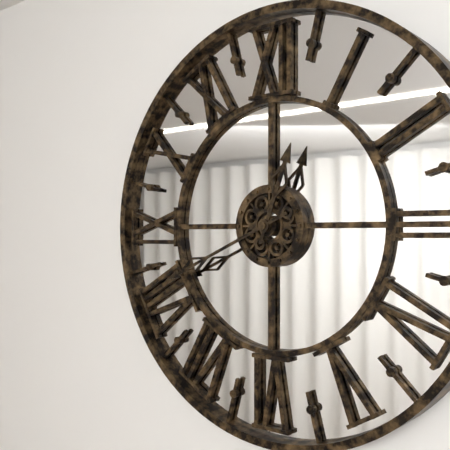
12 h 41 min
